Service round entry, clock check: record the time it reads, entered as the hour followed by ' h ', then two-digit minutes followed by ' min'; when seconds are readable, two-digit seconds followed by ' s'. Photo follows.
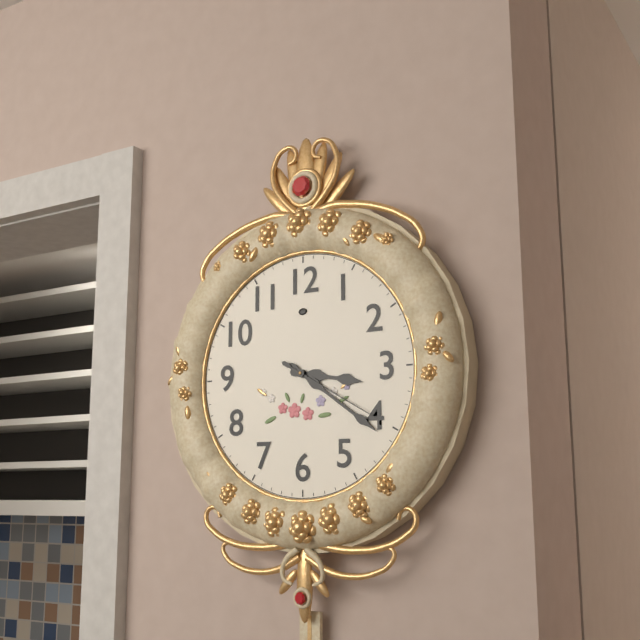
3 h 21 min 20 s
